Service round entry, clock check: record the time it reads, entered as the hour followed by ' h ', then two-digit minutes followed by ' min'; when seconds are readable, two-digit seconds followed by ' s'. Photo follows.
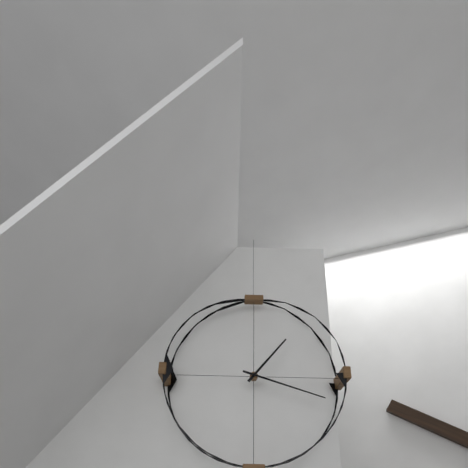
1 h 18 min
